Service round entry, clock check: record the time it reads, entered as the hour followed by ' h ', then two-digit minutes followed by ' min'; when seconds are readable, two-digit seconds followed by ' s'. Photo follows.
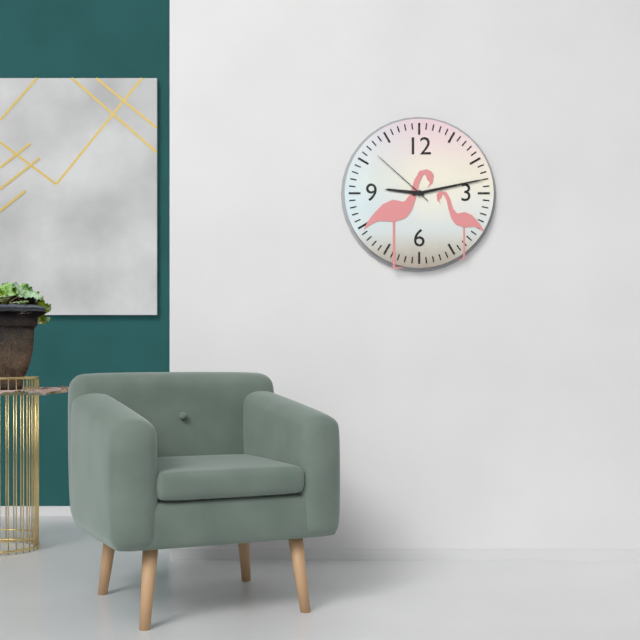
9 h 13 min 52 s
